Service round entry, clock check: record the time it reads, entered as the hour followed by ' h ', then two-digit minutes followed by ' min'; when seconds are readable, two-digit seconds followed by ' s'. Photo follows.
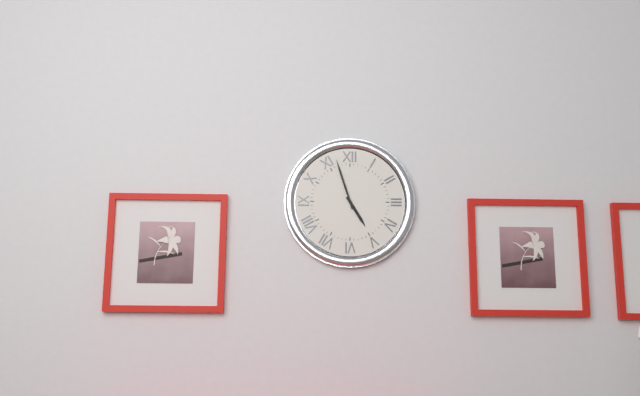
4 h 57 min
